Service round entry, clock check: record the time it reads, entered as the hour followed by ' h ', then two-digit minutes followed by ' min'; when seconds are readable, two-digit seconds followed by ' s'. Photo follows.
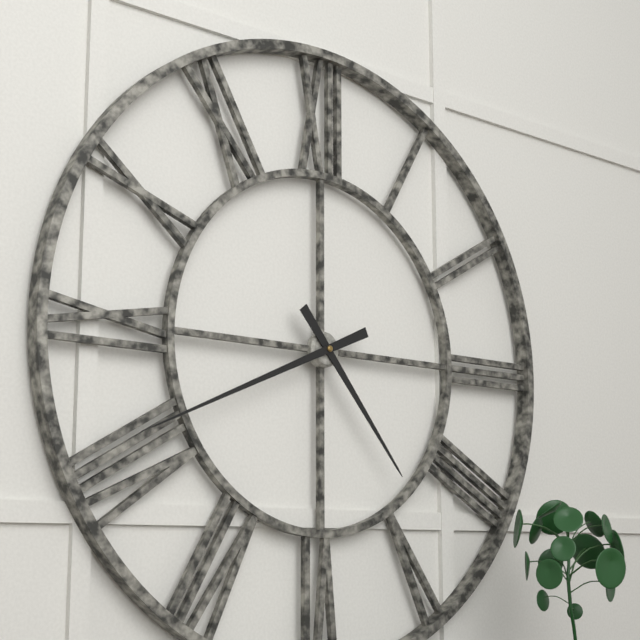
4 h 41 min
